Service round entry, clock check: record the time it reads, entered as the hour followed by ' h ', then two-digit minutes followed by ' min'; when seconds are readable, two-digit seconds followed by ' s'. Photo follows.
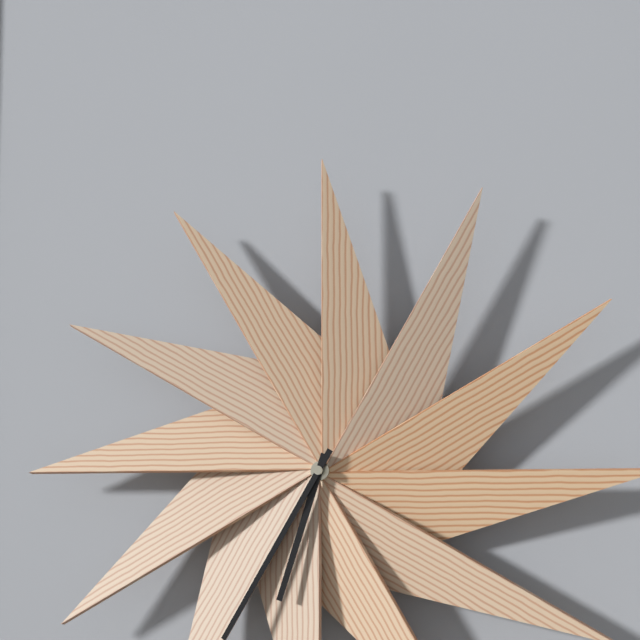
6 h 35 min
